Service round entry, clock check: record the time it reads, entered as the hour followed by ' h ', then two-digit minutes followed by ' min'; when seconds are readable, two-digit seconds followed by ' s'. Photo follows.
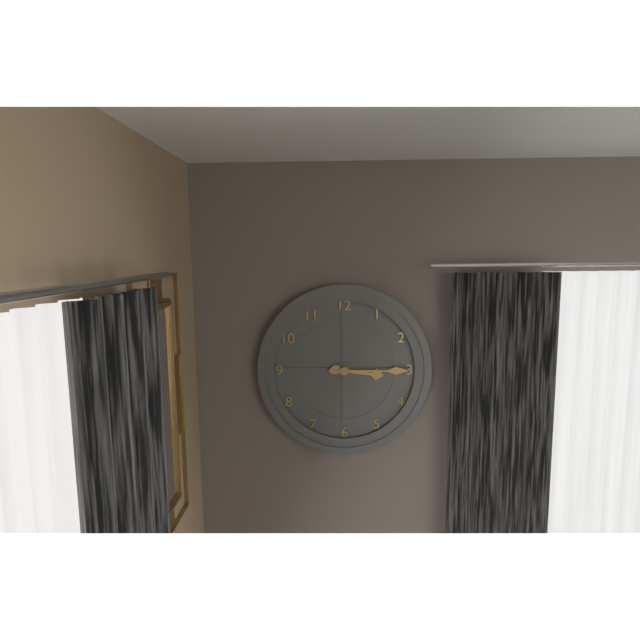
3 h 15 min
